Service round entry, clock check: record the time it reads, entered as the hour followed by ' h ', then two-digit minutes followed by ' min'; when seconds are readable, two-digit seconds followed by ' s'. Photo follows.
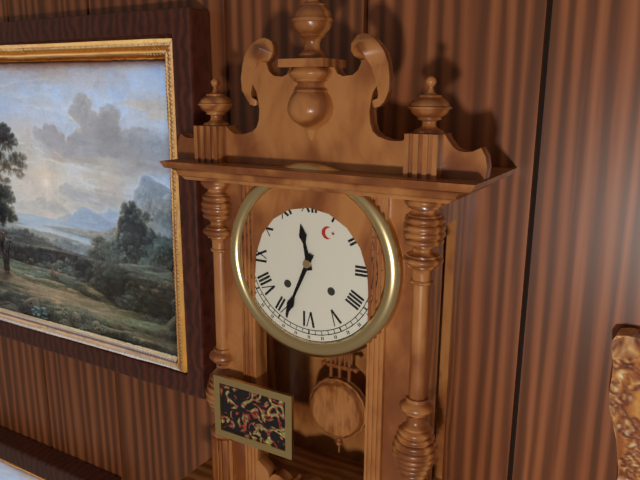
11 h 34 min
